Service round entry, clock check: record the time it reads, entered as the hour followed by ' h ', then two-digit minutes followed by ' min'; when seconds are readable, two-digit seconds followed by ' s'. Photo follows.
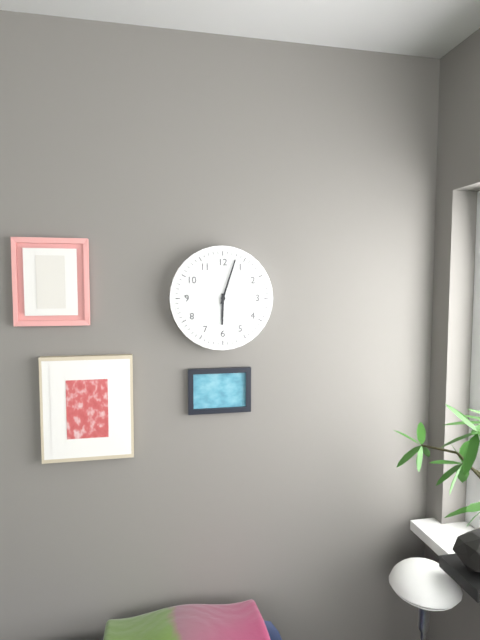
6 h 03 min
